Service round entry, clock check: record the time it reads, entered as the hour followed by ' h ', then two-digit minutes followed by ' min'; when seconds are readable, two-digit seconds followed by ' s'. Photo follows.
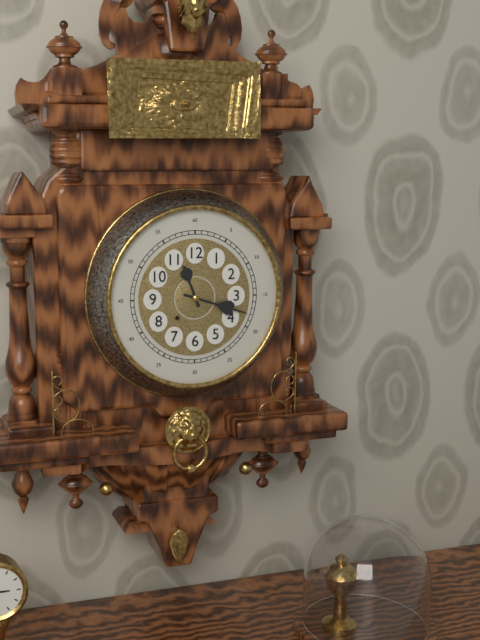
11 h 18 min
